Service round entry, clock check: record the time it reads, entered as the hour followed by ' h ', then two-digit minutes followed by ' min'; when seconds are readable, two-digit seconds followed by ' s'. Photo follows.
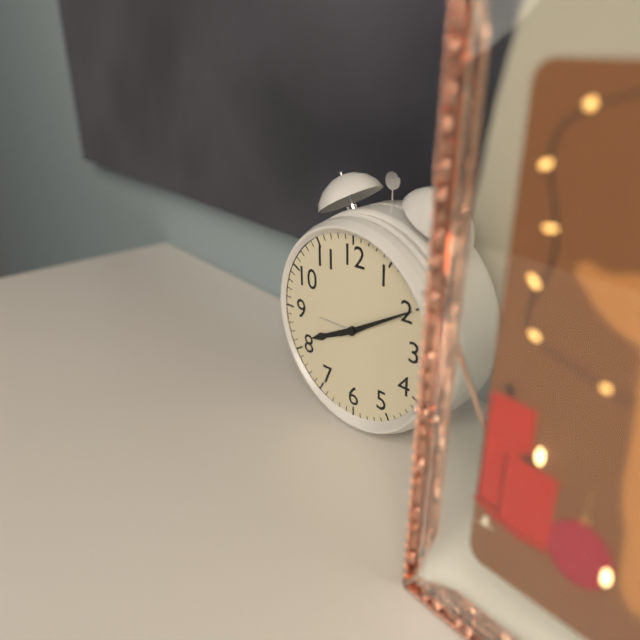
8 h 10 min
